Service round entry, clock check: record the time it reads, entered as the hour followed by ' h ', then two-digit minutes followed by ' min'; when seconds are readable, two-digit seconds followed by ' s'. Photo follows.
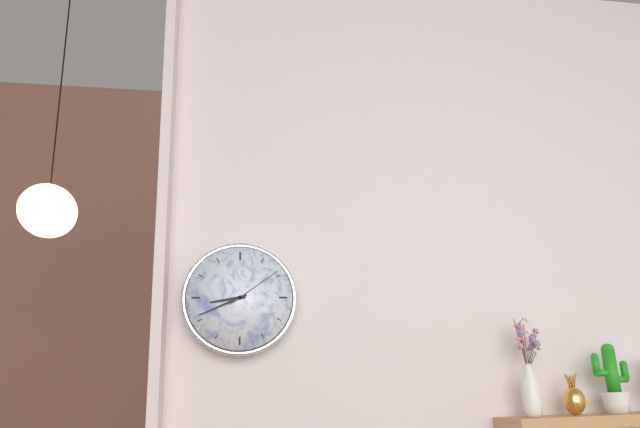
8 h 41 min 09 s
